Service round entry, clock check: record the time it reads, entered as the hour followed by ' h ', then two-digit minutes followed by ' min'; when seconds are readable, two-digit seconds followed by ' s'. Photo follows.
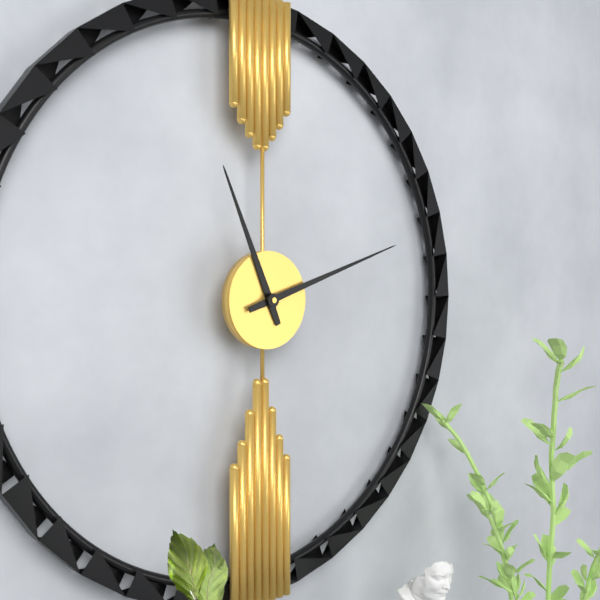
11 h 12 min
